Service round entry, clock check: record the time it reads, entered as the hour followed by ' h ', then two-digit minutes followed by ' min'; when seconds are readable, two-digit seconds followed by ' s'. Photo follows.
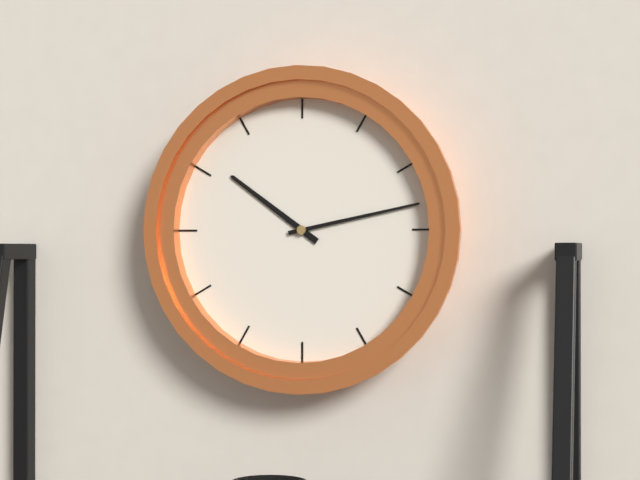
10 h 13 min
